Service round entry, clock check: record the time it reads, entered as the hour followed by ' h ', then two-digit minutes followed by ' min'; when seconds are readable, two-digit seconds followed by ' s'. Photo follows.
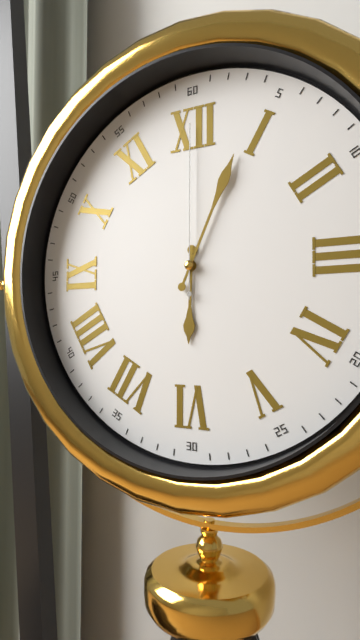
6 h 04 min 00 s
